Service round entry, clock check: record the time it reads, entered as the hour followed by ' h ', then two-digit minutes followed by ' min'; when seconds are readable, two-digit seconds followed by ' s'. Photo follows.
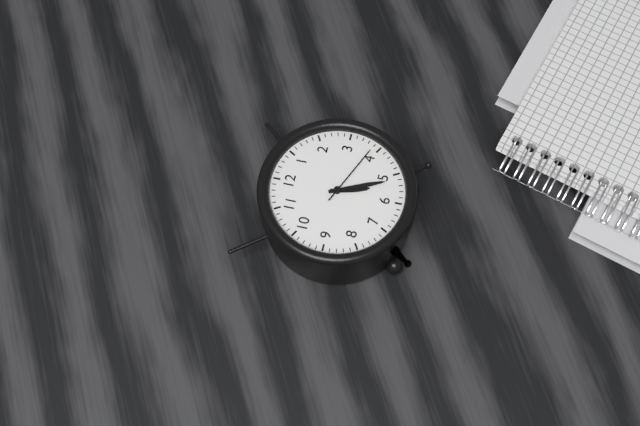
5 h 26 min 19 s
